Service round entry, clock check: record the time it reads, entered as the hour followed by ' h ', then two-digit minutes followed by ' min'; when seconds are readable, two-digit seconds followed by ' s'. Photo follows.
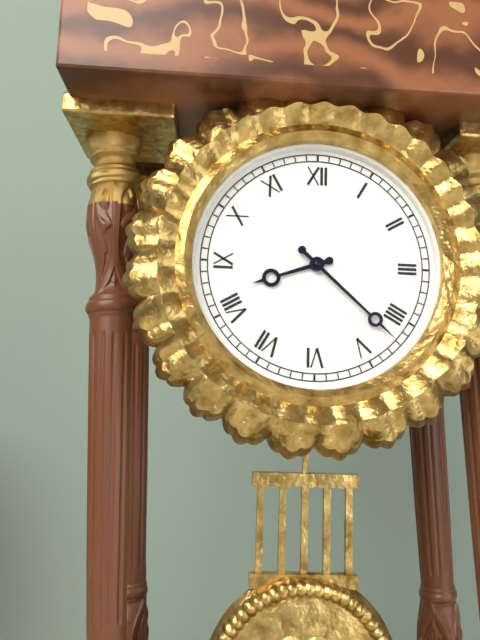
8 h 22 min
